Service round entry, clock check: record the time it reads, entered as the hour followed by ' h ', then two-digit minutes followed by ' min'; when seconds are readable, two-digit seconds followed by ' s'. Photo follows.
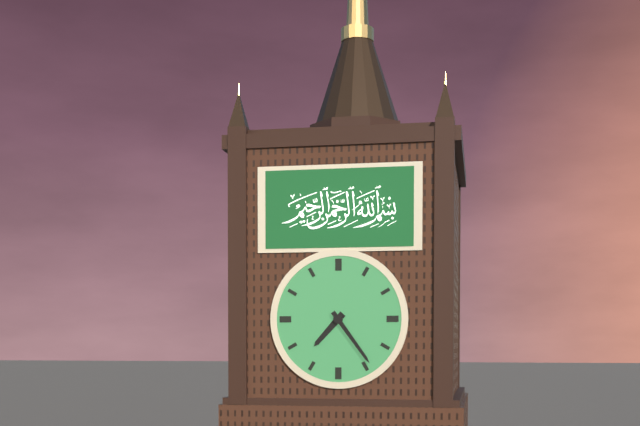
7 h 24 min
